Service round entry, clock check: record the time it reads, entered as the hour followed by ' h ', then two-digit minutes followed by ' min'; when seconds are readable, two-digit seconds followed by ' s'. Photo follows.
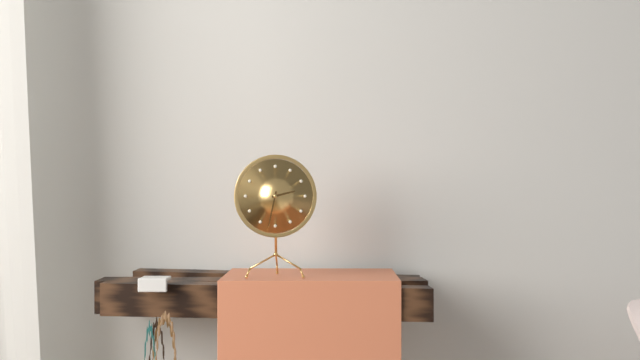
2 h 32 min
